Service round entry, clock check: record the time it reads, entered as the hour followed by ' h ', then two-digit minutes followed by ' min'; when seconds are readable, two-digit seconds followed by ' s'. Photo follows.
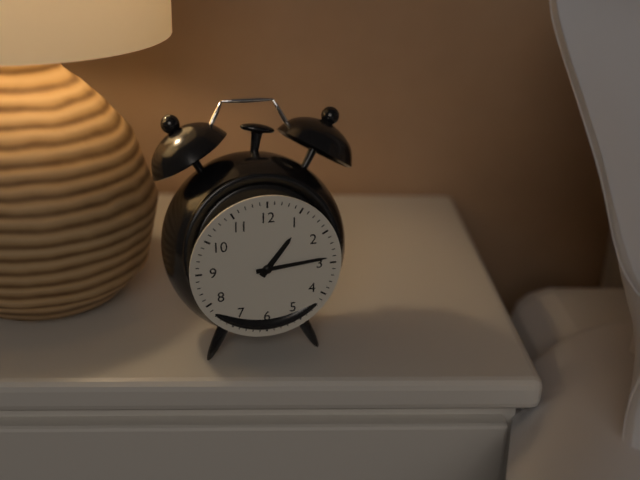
1 h 14 min
